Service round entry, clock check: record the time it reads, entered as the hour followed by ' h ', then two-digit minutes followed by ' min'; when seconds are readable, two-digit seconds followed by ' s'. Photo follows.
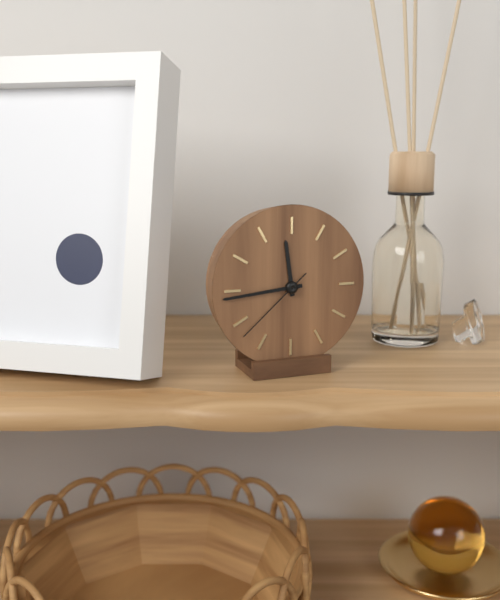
11 h 44 min 38 s
